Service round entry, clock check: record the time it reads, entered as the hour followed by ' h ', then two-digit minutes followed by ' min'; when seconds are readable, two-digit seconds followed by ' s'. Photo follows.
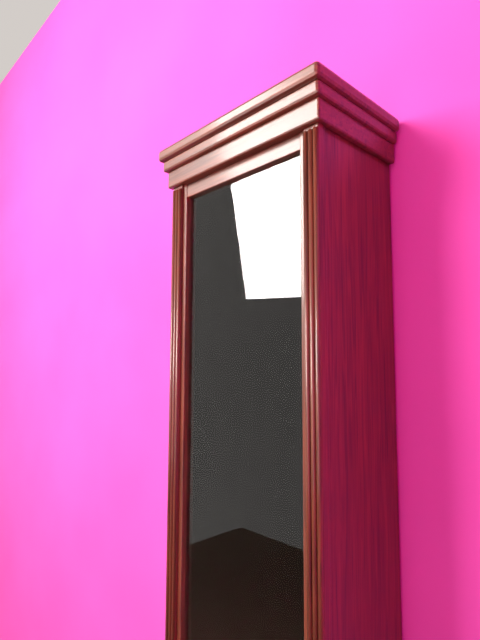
11 h 03 min
